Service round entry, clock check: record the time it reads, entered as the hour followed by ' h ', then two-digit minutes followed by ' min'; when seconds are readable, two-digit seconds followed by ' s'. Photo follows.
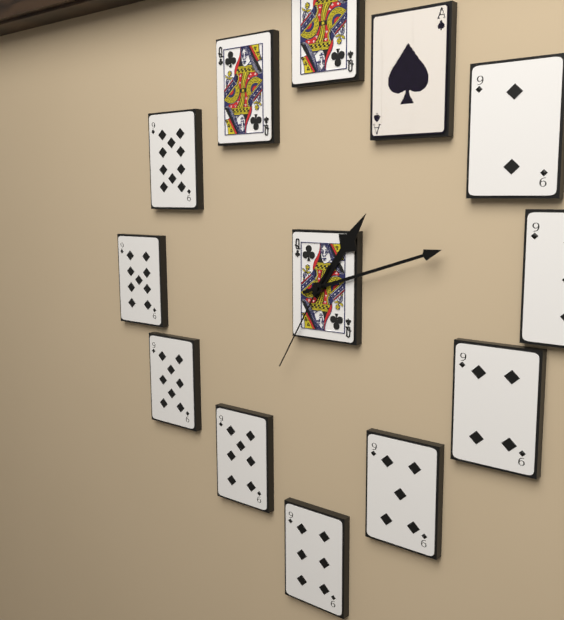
1 h 12 min 35 s
